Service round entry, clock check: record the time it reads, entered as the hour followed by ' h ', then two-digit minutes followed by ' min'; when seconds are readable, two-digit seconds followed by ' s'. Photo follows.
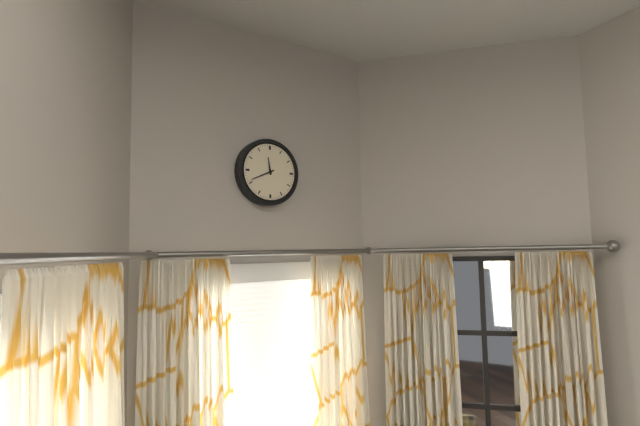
11 h 41 min
